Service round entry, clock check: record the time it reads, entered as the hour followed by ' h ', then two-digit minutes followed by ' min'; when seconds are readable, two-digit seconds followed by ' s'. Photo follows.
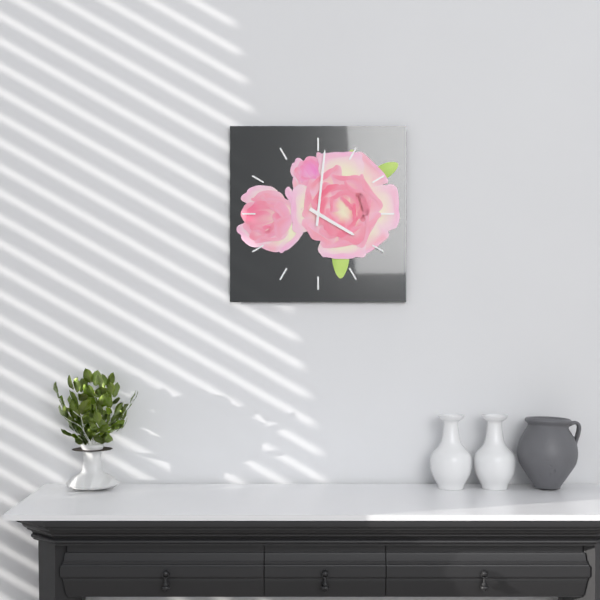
4 h 01 min
